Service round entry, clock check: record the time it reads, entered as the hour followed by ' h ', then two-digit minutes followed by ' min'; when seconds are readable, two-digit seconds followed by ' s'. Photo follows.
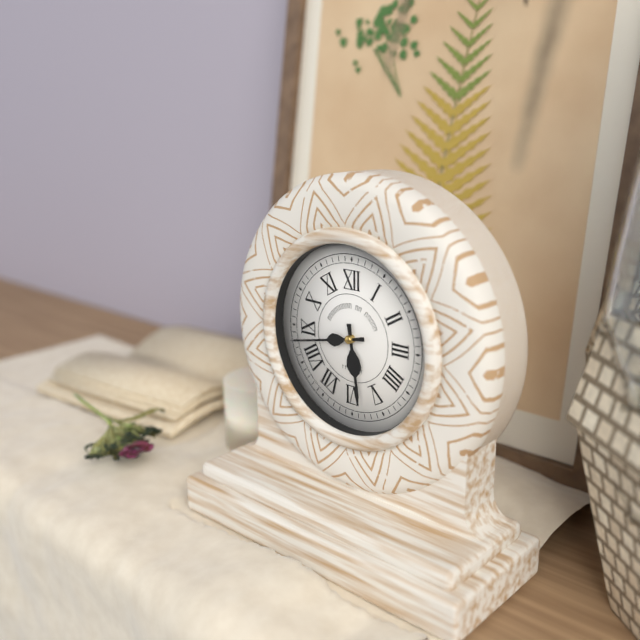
5 h 43 min
